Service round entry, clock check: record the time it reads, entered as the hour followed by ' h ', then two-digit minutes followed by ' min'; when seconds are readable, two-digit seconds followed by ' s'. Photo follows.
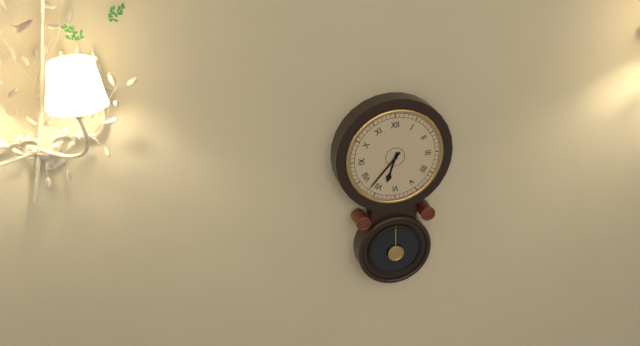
6 h 37 min
